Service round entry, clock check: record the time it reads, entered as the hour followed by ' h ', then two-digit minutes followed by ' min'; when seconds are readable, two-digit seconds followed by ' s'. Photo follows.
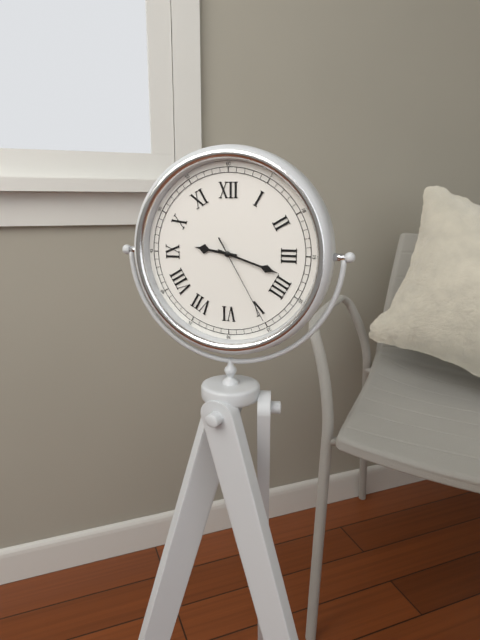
9 h 18 min 25 s
